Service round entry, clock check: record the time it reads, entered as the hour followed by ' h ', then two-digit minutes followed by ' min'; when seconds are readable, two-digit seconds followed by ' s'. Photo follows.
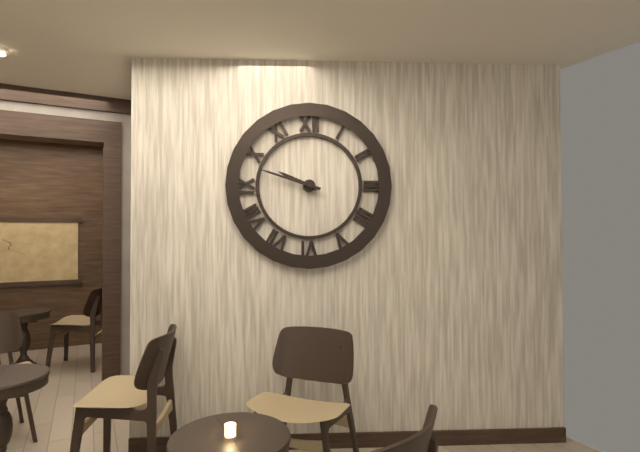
9 h 48 min
